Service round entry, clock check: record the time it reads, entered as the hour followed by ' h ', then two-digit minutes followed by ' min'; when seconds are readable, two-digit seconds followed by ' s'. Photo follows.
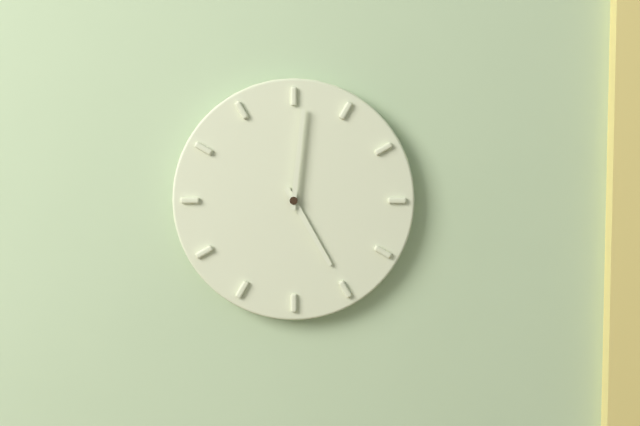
5 h 01 min
